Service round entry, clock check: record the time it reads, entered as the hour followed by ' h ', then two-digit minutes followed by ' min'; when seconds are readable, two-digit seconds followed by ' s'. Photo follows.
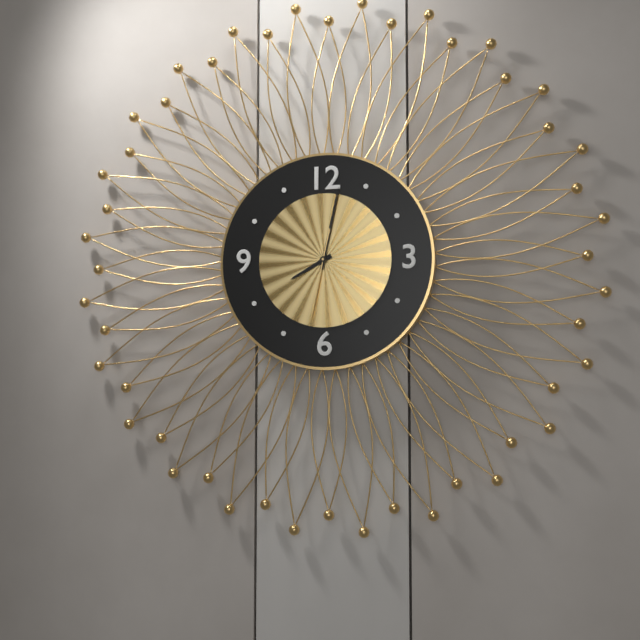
8 h 02 min 32 s
